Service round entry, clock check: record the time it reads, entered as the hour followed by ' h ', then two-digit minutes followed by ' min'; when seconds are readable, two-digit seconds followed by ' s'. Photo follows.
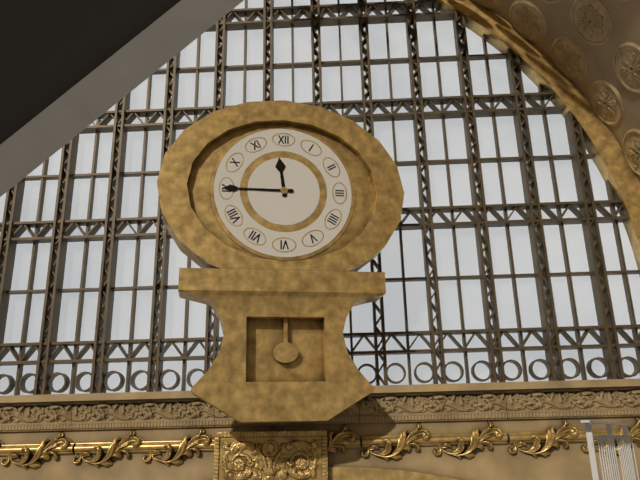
11 h 45 min
